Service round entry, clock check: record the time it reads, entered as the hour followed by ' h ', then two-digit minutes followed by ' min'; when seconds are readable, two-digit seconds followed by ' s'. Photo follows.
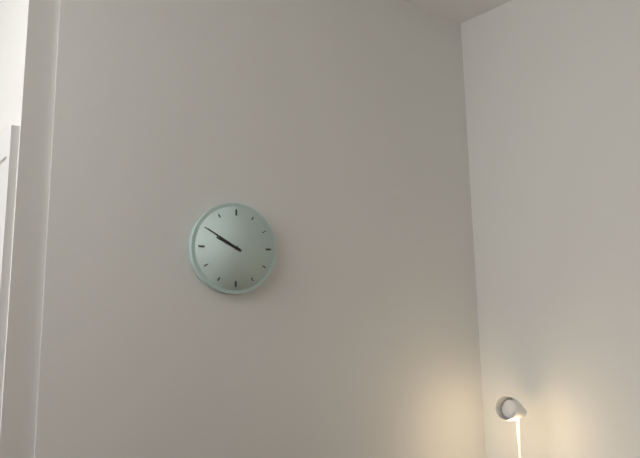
9 h 50 min
